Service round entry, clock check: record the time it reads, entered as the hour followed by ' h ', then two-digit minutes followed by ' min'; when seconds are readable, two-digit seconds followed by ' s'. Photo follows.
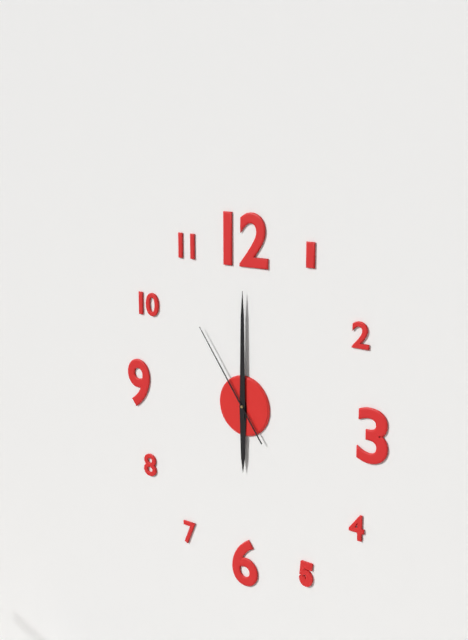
6 h 00 min 54 s
